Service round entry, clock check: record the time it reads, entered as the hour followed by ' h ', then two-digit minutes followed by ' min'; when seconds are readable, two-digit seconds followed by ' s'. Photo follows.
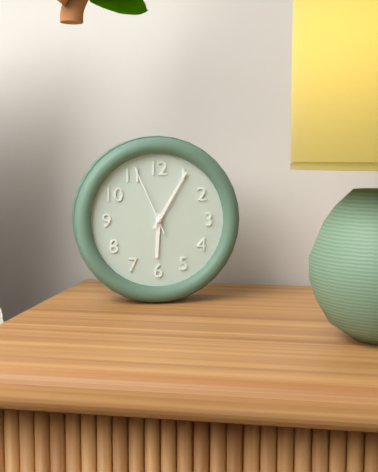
6 h 05 min 56 s
